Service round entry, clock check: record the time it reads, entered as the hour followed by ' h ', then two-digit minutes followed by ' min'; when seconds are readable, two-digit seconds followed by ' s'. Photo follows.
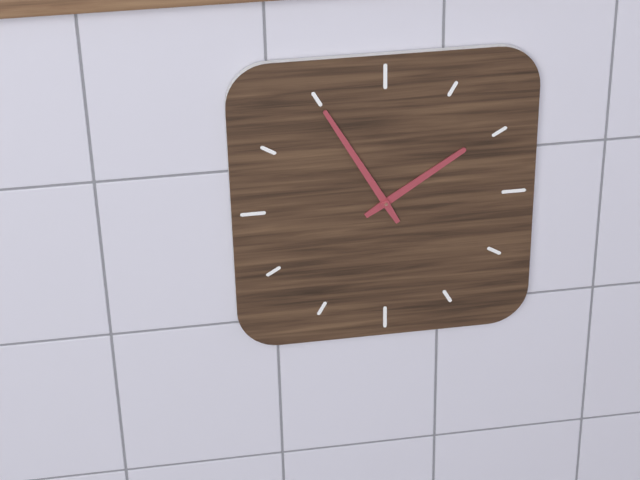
1 h 55 min
